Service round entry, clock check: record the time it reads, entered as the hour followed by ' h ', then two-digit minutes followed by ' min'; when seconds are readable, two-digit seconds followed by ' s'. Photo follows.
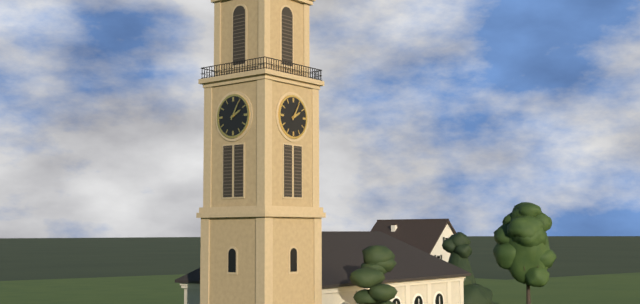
2 h 05 min
